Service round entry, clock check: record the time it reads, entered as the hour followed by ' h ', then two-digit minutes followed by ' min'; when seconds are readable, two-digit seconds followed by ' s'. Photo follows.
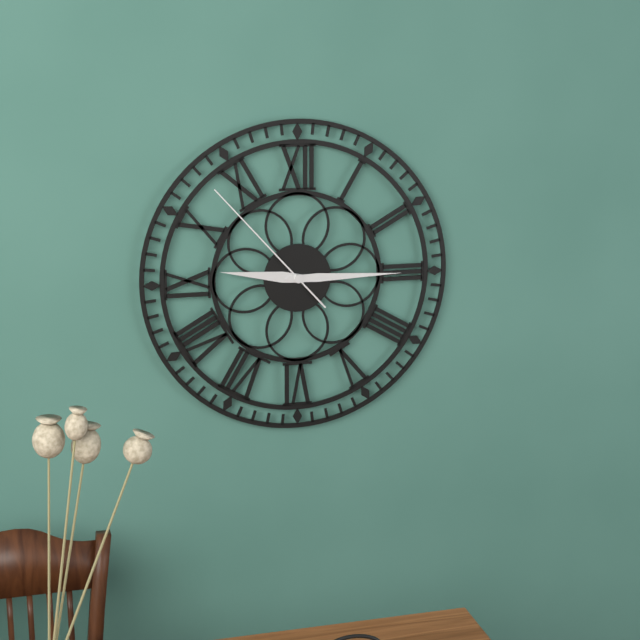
9 h 15 min 53 s
